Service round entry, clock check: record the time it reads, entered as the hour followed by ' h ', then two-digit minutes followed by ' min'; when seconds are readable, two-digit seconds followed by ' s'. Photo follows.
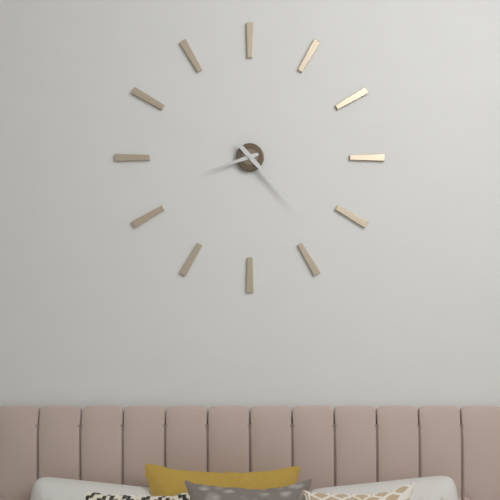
8 h 23 min
